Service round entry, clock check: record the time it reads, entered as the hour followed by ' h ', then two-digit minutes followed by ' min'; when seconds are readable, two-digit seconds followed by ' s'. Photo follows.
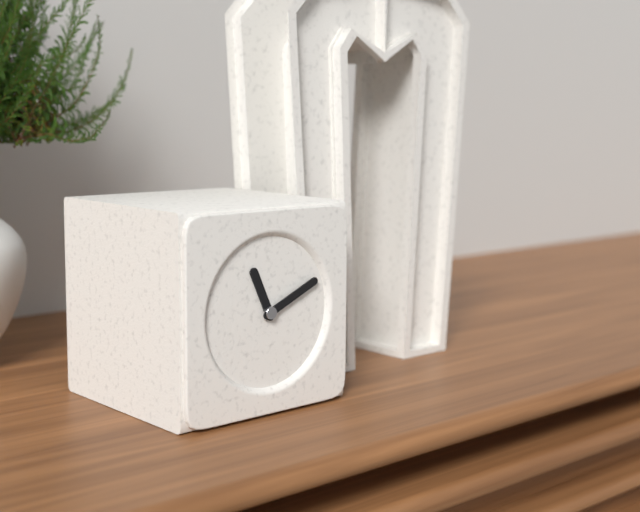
11 h 11 min
